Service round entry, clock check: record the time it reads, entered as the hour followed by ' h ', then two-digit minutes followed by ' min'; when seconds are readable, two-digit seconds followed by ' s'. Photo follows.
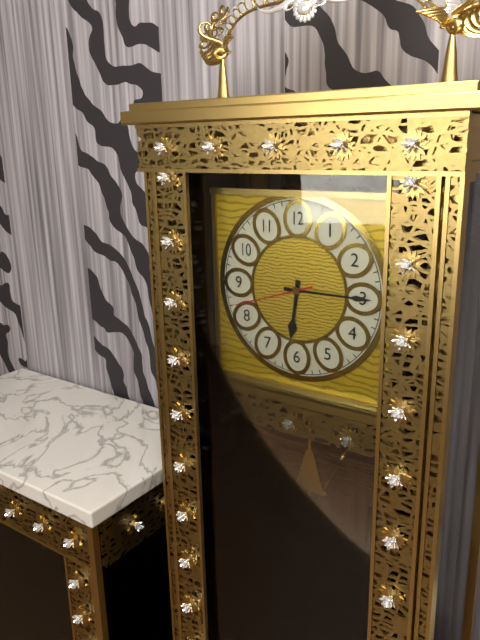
6 h 15 min 42 s
